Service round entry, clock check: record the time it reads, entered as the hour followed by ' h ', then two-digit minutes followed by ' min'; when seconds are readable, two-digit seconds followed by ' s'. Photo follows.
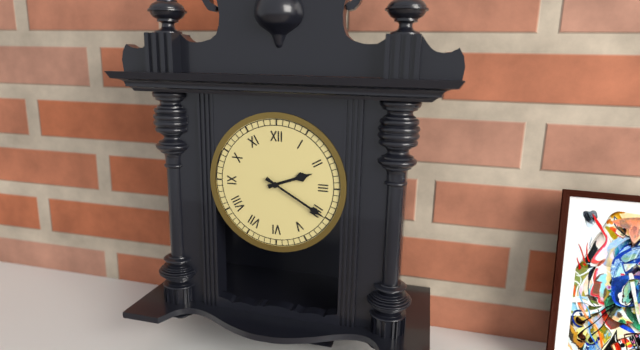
2 h 20 min
